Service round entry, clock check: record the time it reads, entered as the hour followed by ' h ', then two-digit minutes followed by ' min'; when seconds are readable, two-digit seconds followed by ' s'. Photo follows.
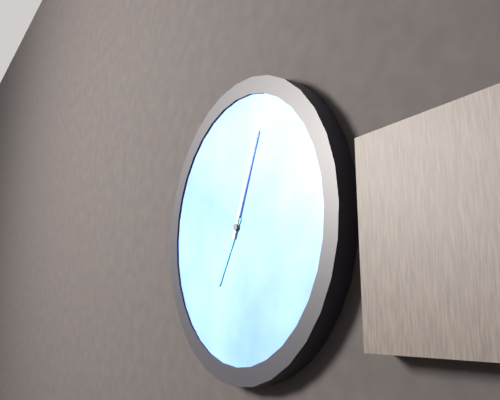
7 h 04 min
